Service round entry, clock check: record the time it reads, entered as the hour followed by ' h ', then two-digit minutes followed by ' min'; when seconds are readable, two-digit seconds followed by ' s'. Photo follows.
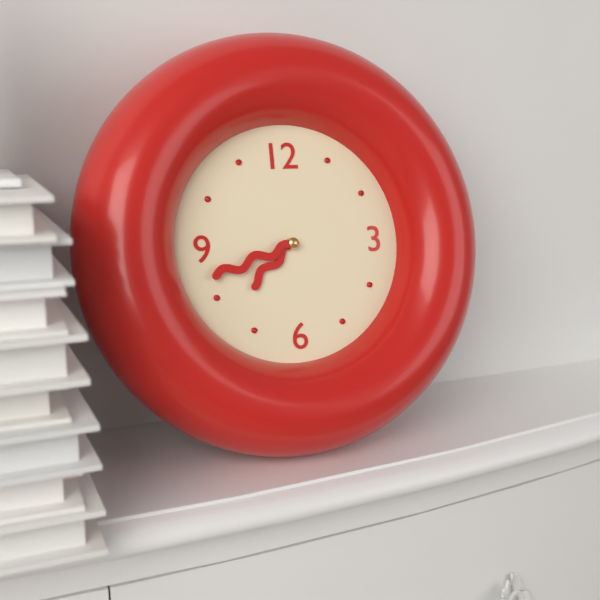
7 h 42 min
